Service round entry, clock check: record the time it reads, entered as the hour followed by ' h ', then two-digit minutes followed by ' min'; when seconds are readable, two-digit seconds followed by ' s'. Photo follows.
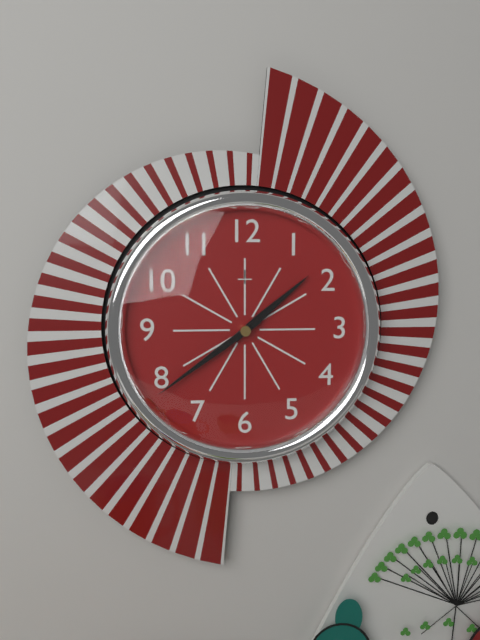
1 h 39 min
